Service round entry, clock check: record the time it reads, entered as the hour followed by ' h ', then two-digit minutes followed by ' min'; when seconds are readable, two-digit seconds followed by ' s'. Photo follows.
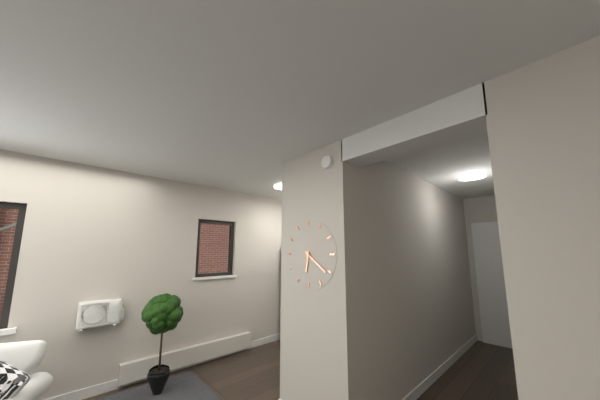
6 h 21 min
